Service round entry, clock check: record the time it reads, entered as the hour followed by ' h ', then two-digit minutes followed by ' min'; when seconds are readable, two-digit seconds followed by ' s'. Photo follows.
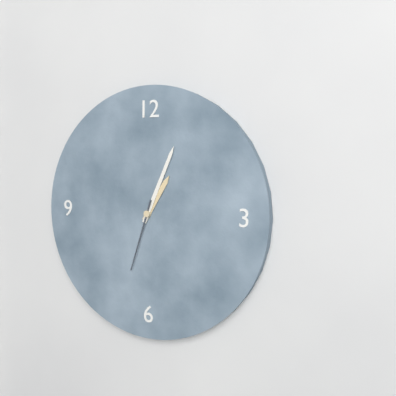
1 h 04 min 33 s
